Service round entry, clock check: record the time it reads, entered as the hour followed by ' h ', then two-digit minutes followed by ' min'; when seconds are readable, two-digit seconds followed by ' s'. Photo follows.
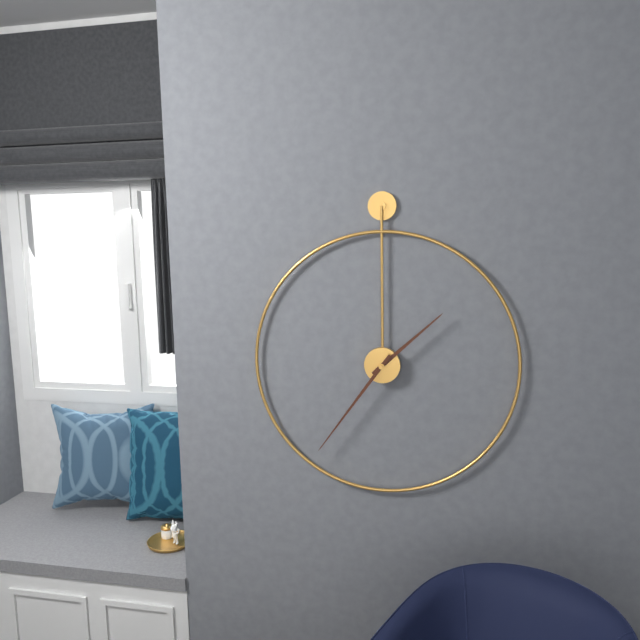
1 h 36 min
